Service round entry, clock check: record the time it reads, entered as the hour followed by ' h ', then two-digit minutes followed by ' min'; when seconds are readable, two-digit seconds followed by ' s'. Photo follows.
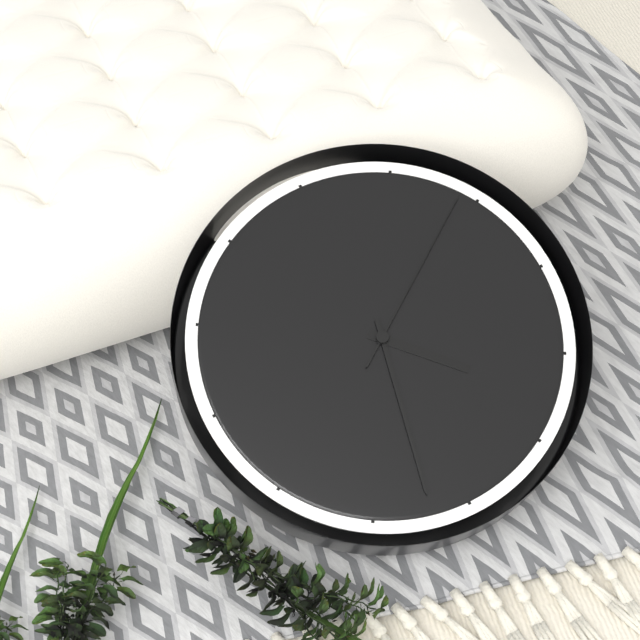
4 h 32 min 09 s
